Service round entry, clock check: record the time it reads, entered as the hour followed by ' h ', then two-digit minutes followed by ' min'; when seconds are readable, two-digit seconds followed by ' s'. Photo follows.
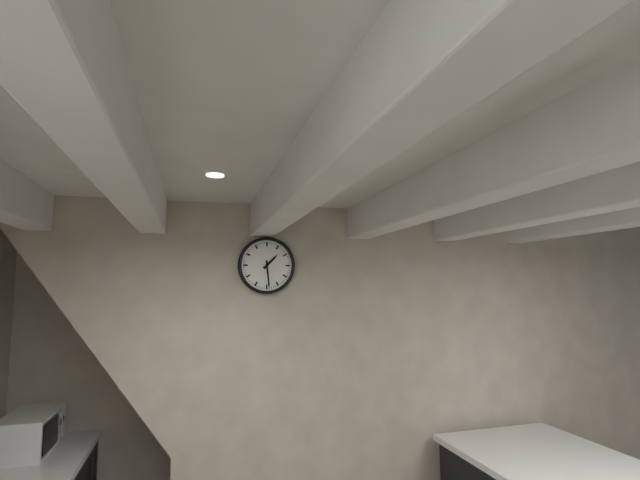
1 h 29 min
